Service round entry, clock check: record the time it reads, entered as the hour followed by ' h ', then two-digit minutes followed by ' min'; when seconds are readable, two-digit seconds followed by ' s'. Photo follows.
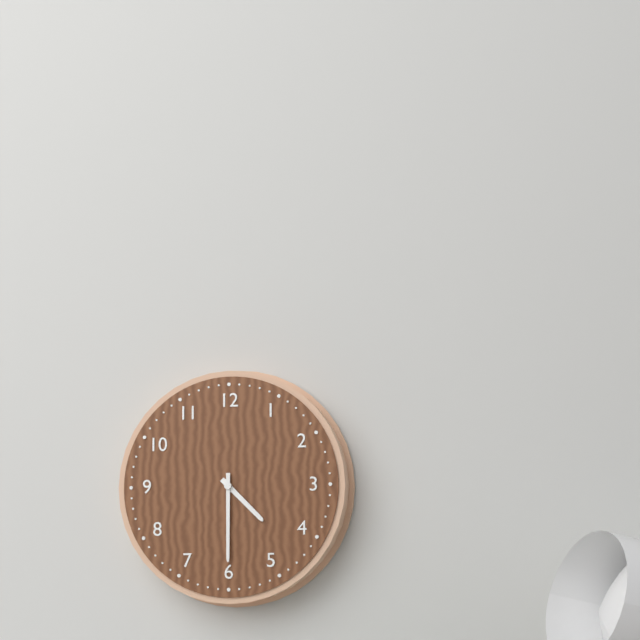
4 h 30 min
